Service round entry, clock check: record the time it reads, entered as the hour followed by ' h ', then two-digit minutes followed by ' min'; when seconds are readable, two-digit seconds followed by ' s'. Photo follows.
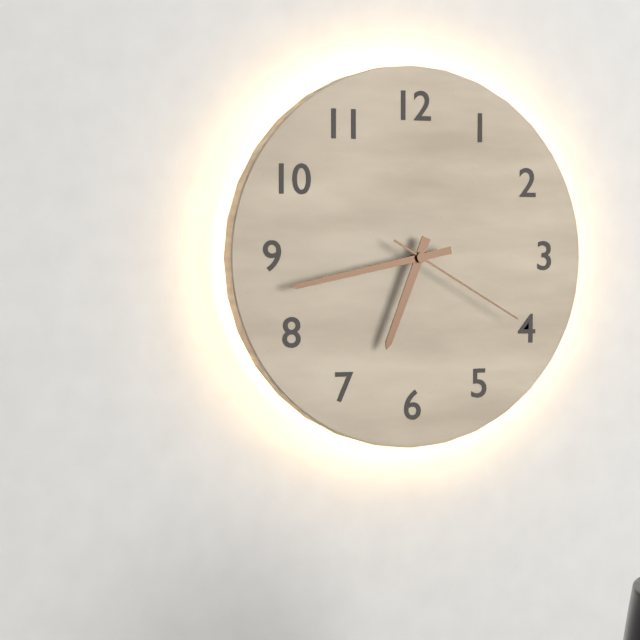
6 h 43 min 20 s
